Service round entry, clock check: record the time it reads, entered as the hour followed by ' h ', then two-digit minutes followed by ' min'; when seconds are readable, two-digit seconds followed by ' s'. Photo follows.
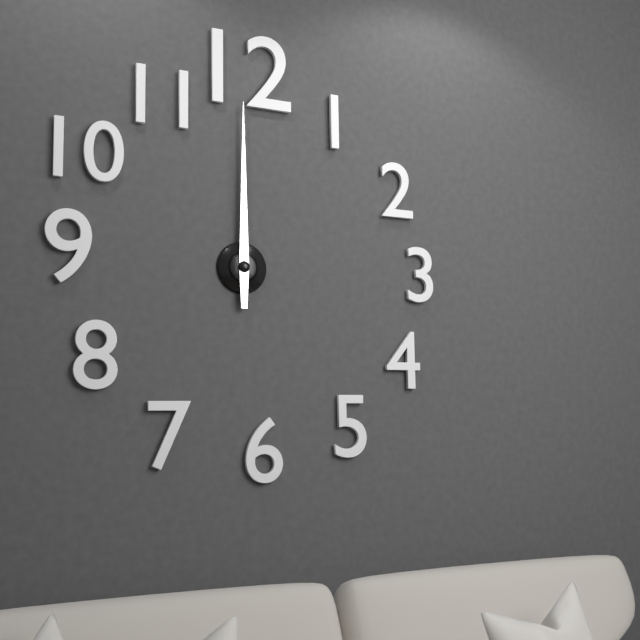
12 h 00 min
